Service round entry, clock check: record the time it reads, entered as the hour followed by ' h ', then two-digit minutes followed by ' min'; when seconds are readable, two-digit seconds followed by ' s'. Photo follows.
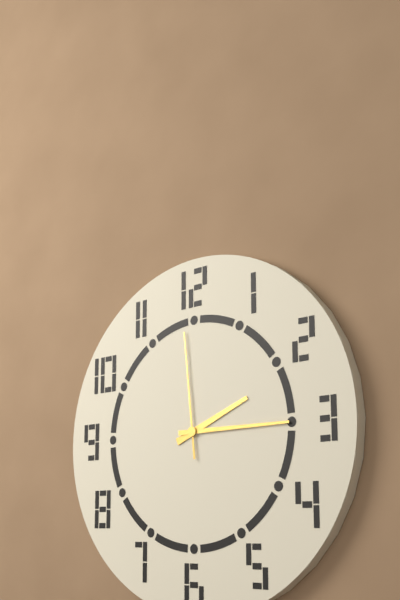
2 h 15 min 59 s
